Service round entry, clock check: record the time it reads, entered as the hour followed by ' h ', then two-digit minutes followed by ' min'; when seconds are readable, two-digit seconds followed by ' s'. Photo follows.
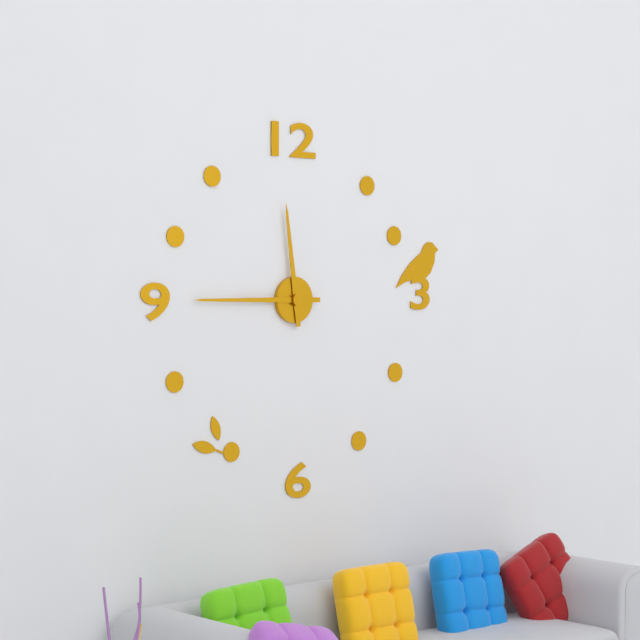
11 h 45 min
